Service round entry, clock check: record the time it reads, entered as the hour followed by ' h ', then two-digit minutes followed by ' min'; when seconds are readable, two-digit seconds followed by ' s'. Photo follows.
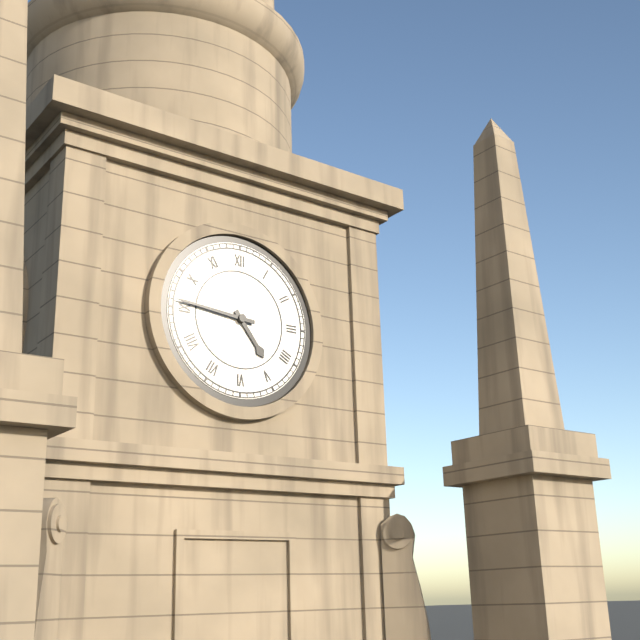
4 h 46 min
